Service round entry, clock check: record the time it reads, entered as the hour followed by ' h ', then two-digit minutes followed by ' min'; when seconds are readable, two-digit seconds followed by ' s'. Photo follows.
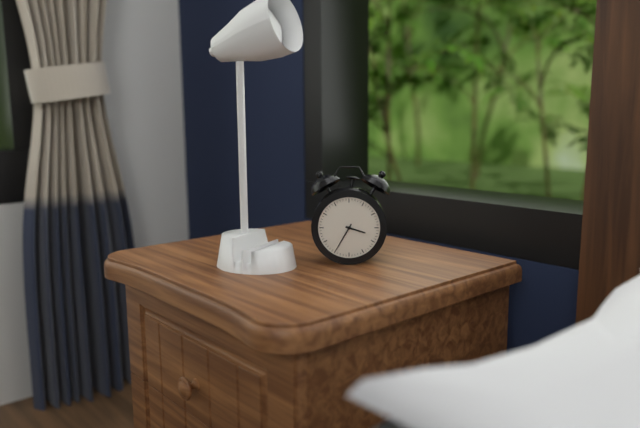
3 h 35 min
